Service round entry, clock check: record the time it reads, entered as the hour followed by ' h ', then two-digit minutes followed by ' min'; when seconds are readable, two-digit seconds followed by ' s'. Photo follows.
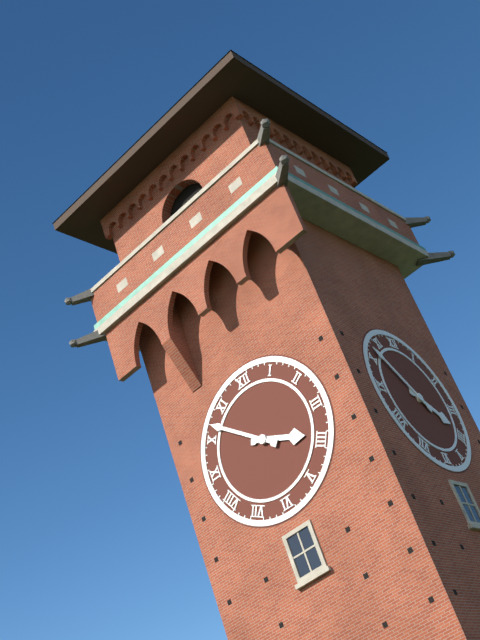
3 h 52 min
